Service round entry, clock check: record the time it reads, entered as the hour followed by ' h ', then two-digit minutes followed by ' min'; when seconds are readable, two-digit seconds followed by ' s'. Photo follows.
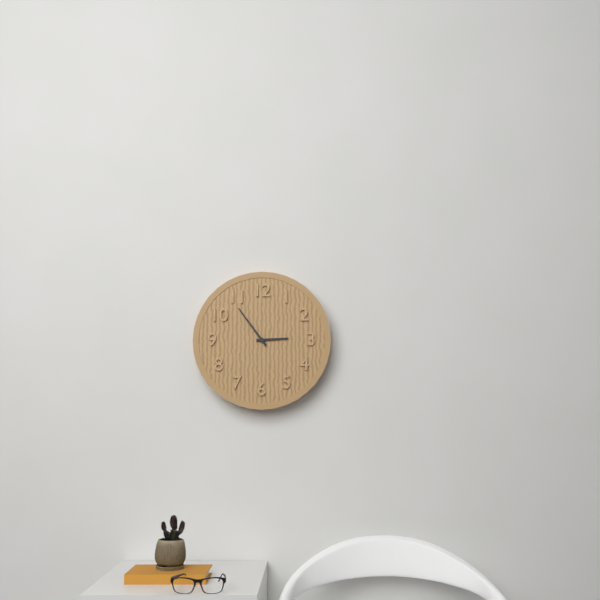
2 h 54 min
